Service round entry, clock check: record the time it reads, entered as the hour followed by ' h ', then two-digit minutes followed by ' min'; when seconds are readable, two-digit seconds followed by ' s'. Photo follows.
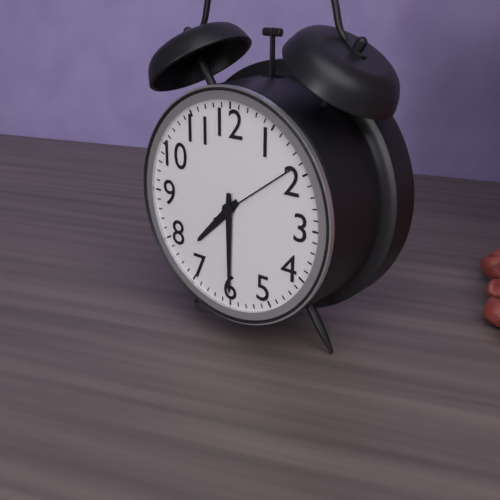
7 h 30 min 09 s
